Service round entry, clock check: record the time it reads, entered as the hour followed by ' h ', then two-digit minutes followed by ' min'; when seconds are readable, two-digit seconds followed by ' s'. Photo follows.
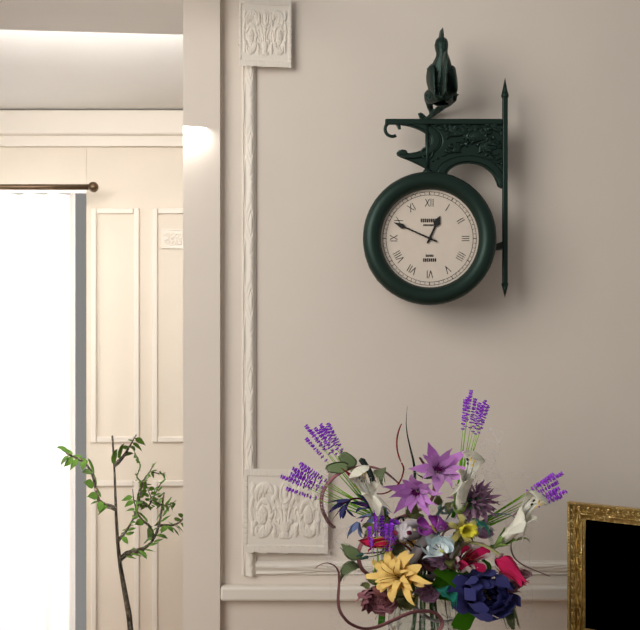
12 h 49 min
